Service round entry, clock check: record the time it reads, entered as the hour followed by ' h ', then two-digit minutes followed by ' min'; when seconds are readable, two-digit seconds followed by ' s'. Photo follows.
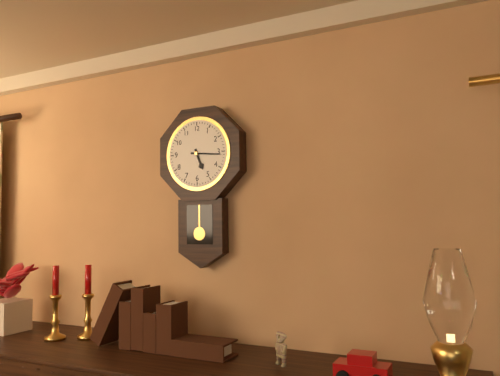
5 h 16 min
